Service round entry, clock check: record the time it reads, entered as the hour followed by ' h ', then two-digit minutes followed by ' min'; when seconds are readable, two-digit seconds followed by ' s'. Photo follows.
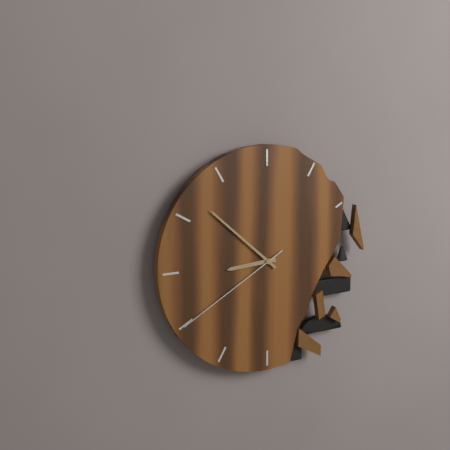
8 h 52 min 40 s
